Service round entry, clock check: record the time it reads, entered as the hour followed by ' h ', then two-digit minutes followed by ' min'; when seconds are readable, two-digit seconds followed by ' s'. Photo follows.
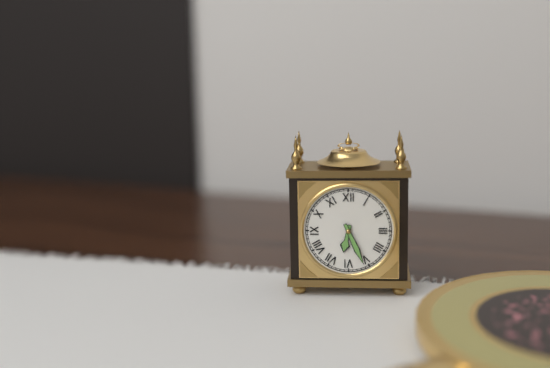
6 h 26 min
